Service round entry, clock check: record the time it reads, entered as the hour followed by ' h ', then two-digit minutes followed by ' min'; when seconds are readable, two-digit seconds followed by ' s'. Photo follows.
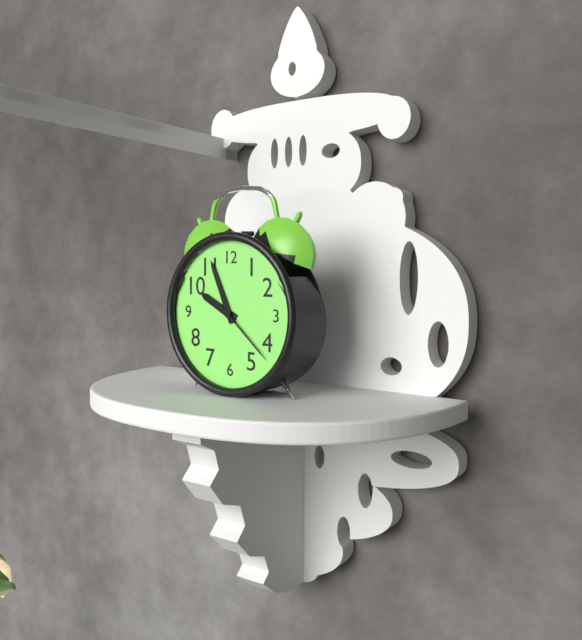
9 h 56 min 22 s
